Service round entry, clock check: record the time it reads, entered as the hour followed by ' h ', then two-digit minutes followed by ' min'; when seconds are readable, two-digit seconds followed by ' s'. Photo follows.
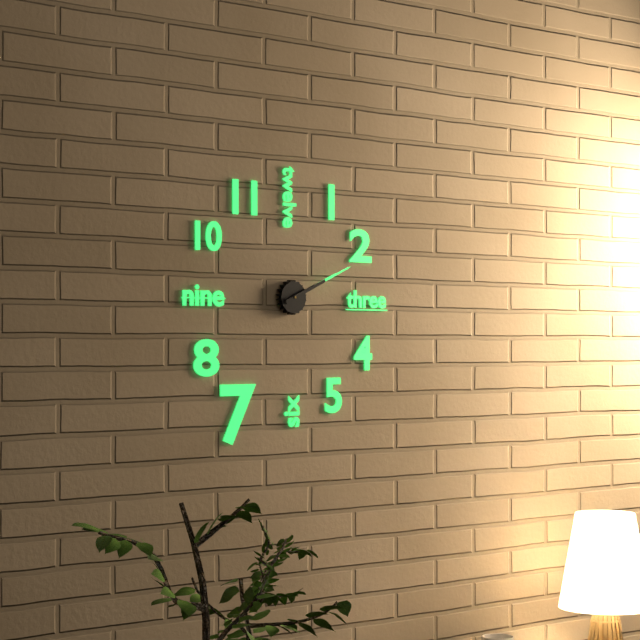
2 h 11 min
